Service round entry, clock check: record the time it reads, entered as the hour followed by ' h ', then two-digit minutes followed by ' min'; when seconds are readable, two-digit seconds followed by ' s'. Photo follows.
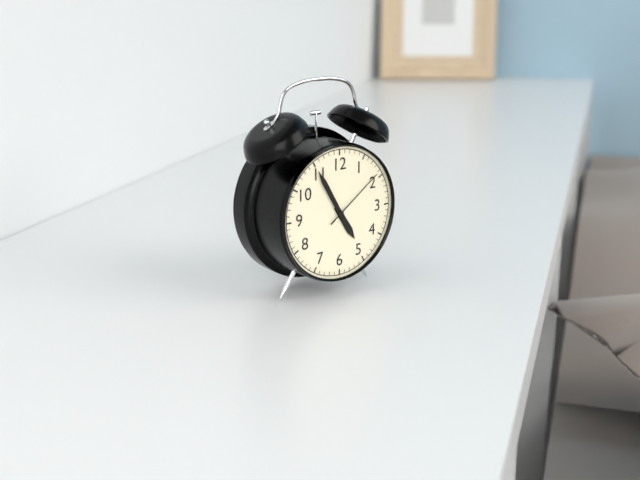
4 h 55 min 09 s
